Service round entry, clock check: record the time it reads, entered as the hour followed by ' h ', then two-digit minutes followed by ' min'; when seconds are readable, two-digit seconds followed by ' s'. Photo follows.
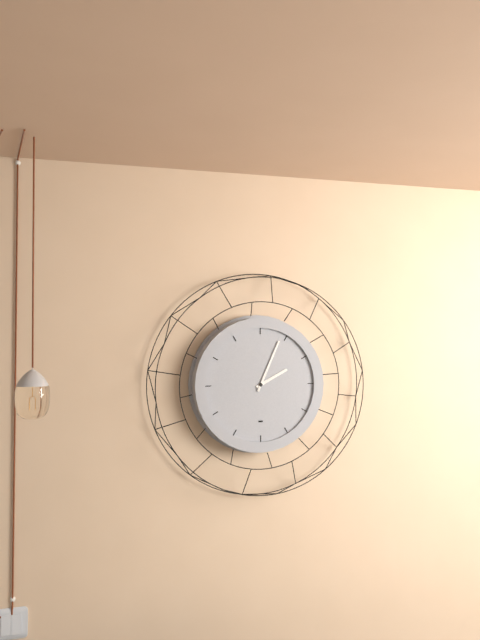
2 h 04 min
